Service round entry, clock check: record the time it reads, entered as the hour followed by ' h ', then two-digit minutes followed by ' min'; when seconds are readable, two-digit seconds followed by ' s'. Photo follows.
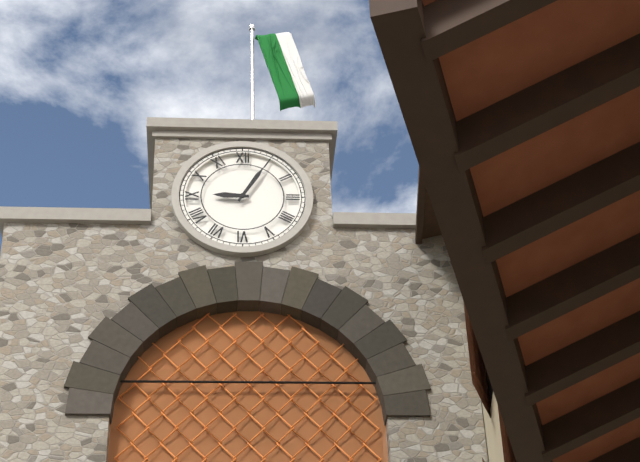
9 h 05 min
